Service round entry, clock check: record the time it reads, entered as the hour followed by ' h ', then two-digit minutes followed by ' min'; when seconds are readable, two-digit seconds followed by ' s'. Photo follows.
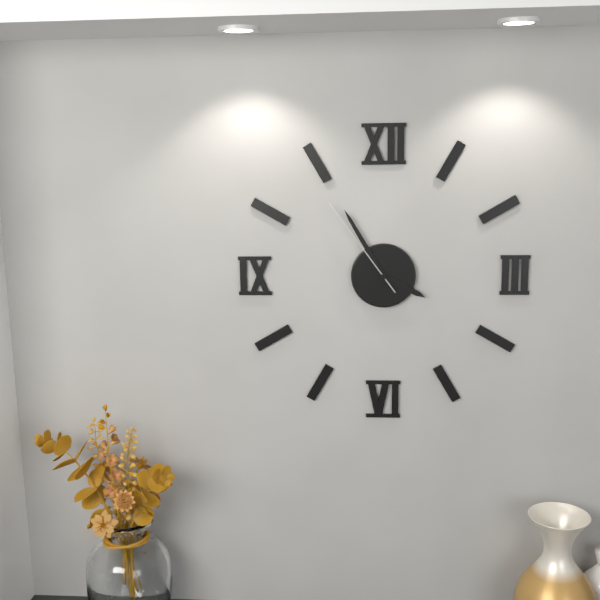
3 h 55 min 54 s
